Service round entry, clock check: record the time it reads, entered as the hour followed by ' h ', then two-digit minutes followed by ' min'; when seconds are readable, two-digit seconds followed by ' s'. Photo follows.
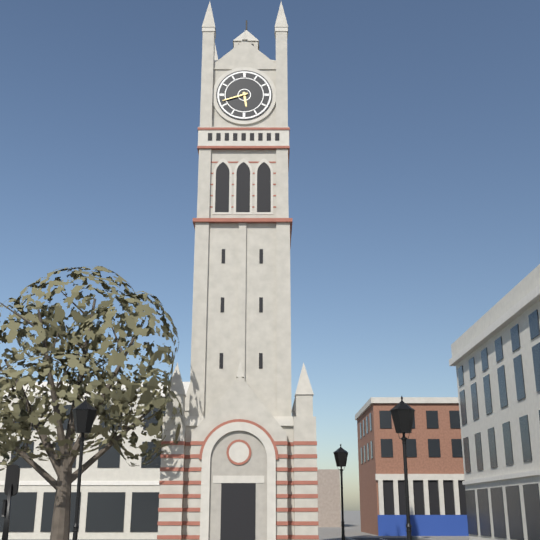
5 h 42 min
